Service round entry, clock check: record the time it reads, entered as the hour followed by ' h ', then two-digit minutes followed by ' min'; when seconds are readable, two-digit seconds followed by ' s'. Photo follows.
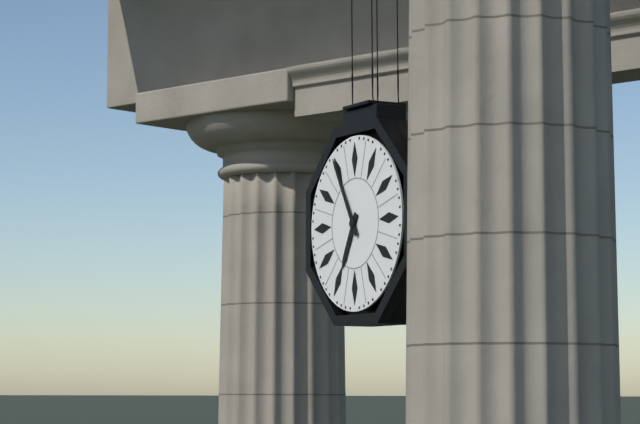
6 h 55 min
